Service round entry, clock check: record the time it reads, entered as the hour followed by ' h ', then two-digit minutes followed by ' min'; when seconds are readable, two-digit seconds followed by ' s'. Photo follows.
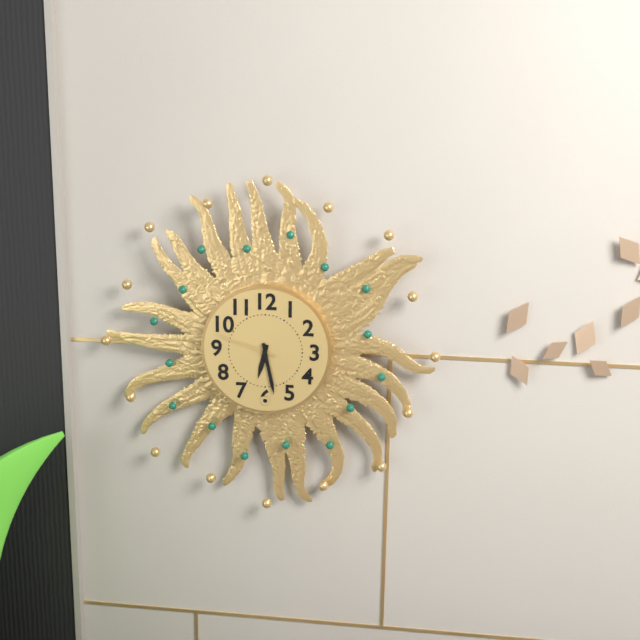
6 h 28 min 48 s
